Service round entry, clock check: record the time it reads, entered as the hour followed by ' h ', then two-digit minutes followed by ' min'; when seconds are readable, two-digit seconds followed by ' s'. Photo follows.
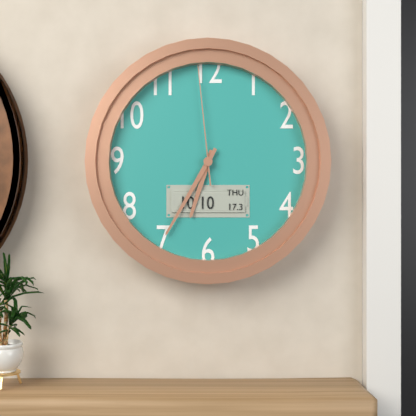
6 h 35 min 59 s
